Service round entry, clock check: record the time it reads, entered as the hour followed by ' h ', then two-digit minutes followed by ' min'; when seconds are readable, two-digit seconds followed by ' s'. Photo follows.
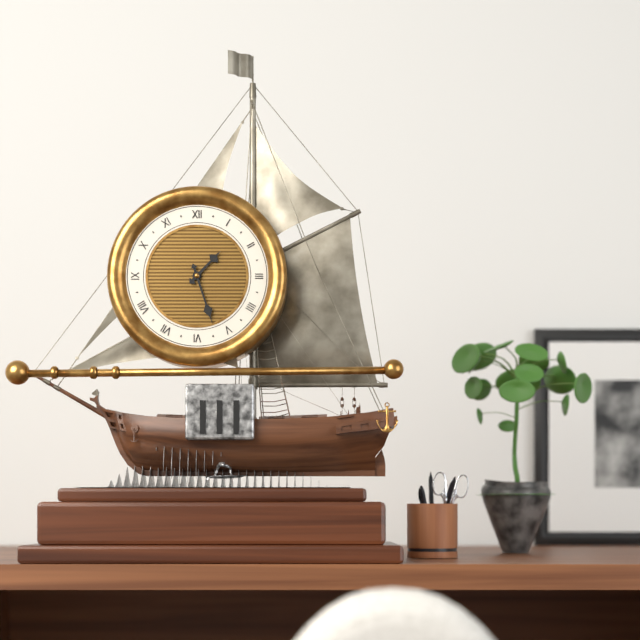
1 h 27 min
